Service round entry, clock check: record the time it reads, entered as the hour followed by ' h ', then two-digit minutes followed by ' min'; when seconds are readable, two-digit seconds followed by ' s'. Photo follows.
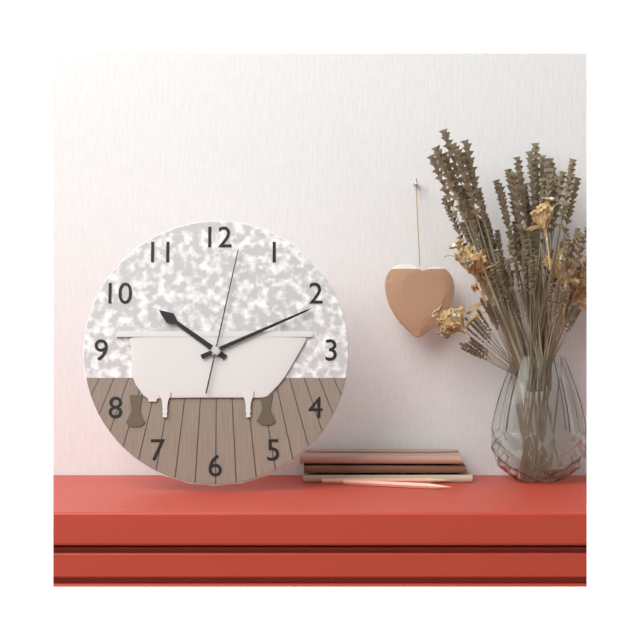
10 h 11 min 02 s
